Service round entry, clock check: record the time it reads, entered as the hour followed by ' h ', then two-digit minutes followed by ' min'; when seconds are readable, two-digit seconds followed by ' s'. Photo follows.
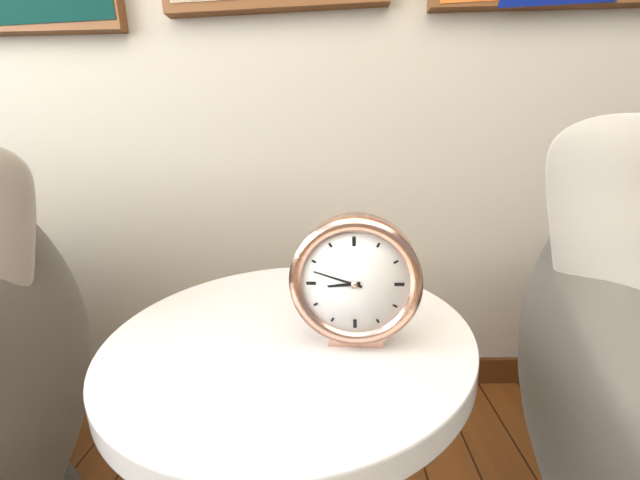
8 h 48 min
